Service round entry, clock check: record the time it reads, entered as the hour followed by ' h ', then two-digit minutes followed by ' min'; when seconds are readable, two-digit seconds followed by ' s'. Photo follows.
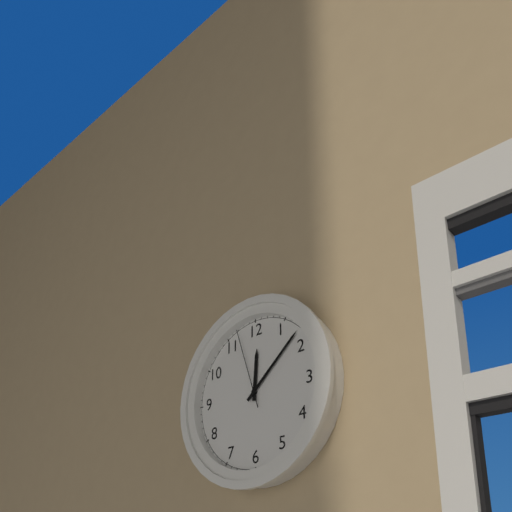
12 h 08 min 57 s
